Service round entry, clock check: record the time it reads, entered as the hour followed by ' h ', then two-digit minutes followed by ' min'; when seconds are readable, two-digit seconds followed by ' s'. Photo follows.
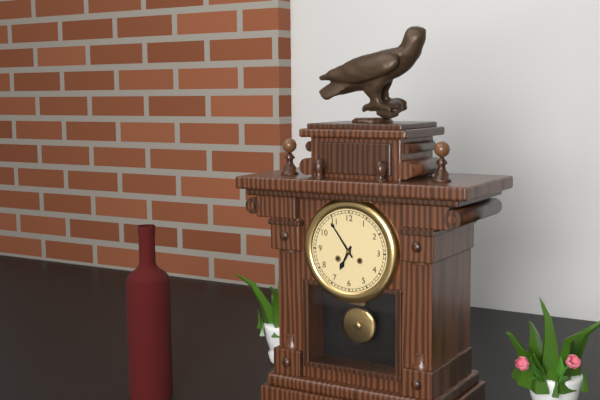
6 h 54 min
